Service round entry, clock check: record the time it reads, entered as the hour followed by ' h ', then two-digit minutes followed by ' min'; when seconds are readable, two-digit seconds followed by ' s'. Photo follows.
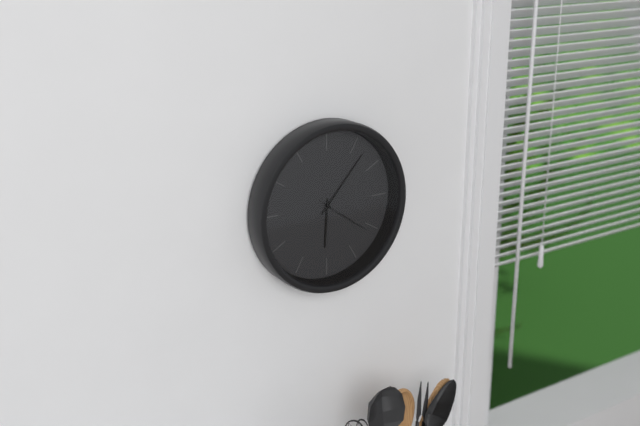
6 h 07 min 21 s
